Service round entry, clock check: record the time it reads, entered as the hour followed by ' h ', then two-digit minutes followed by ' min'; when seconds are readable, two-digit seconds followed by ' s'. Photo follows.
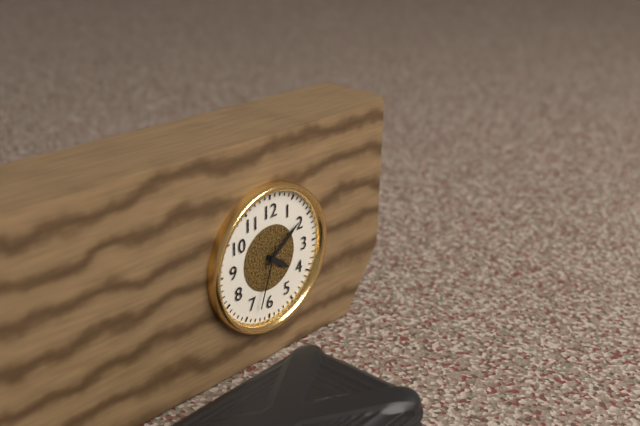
4 h 09 min 33 s
